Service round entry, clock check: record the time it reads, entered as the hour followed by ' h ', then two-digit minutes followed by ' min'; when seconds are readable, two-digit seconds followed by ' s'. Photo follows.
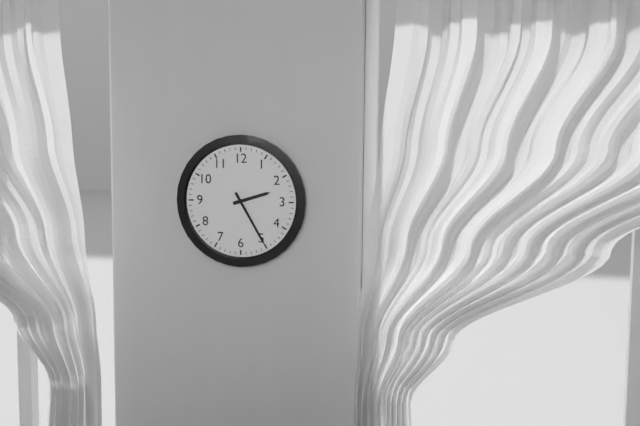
2 h 25 min
